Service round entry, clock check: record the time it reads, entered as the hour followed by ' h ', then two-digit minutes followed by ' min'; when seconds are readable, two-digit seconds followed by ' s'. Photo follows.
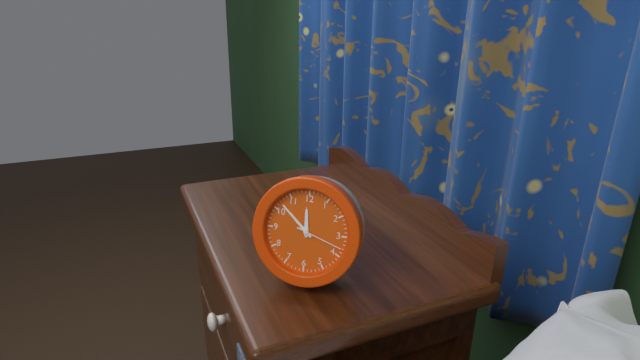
11 h 52 min
